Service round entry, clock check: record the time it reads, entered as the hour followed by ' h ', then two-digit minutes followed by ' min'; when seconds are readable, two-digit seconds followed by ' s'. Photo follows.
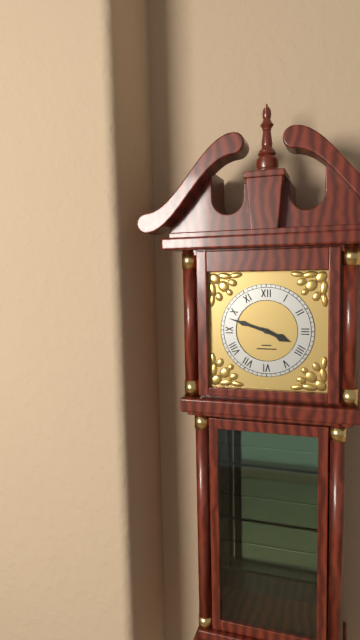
3 h 48 min
